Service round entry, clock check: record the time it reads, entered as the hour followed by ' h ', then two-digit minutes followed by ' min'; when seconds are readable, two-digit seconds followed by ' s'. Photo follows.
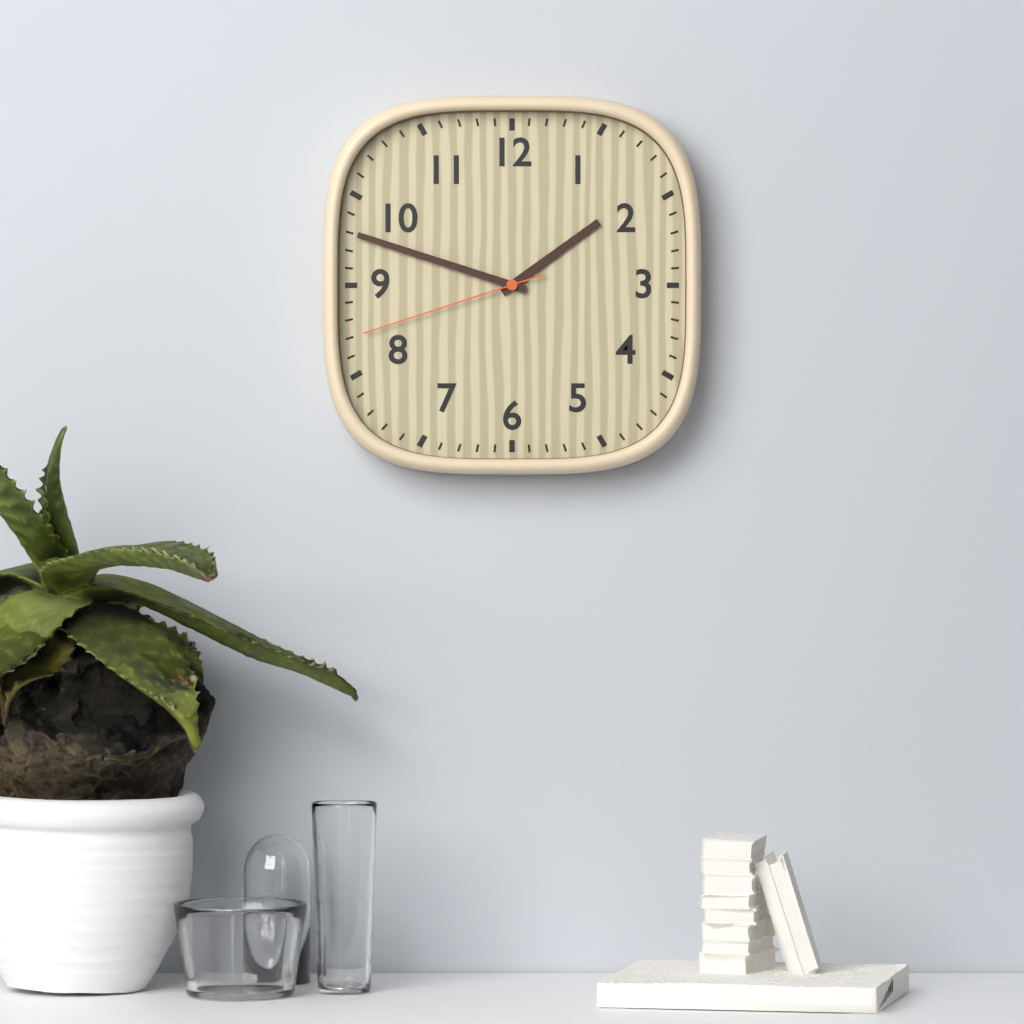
1 h 48 min 42 s
